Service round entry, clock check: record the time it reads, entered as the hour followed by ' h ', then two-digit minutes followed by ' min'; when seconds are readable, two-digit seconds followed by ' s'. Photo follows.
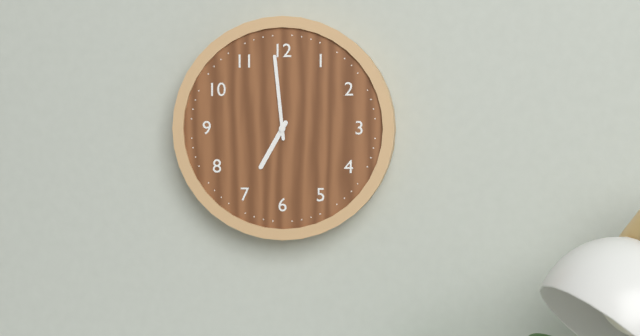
6 h 59 min
